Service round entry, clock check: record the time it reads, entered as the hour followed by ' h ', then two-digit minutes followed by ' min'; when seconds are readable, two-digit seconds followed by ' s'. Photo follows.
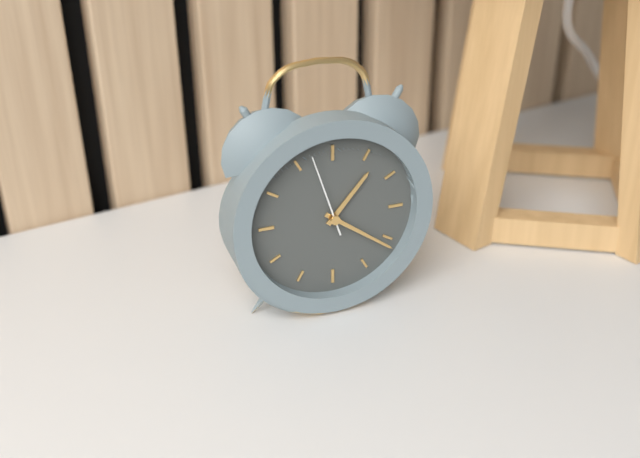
1 h 21 min 57 s
